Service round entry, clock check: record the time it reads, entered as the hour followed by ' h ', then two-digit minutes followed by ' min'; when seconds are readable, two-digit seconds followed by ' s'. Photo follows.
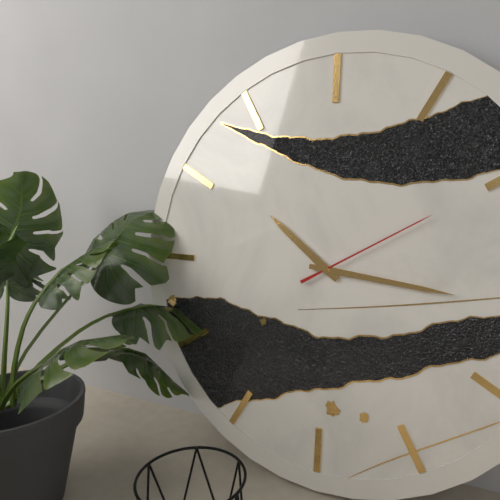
10 h 16 min 10 s
